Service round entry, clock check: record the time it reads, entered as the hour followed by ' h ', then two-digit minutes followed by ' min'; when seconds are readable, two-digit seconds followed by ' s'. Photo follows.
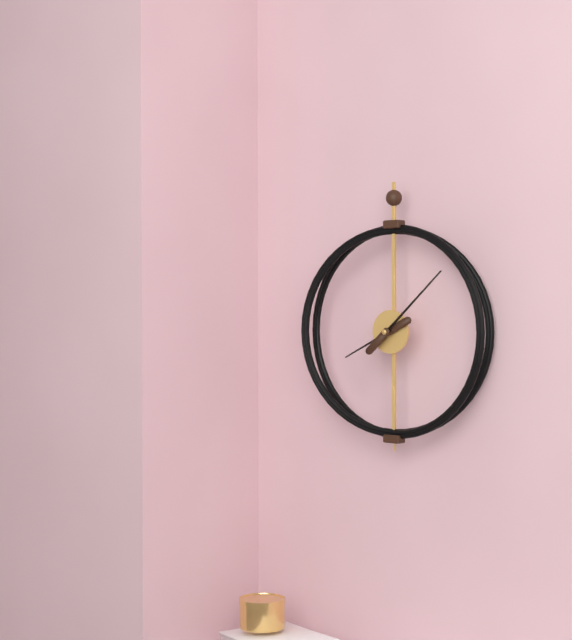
8 h 08 min
